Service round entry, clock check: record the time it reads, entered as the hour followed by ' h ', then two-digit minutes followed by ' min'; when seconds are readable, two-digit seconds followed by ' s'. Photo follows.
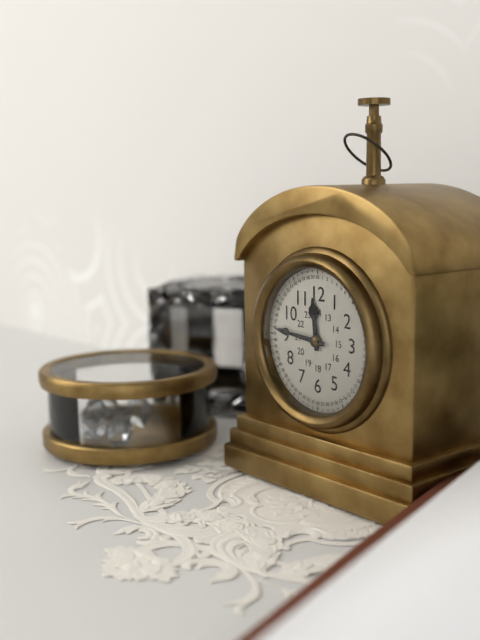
11 h 46 min
